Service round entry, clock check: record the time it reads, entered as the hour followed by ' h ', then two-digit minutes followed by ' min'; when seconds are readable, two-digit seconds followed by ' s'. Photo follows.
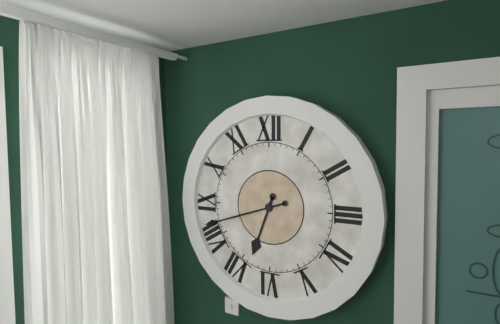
6 h 42 min
